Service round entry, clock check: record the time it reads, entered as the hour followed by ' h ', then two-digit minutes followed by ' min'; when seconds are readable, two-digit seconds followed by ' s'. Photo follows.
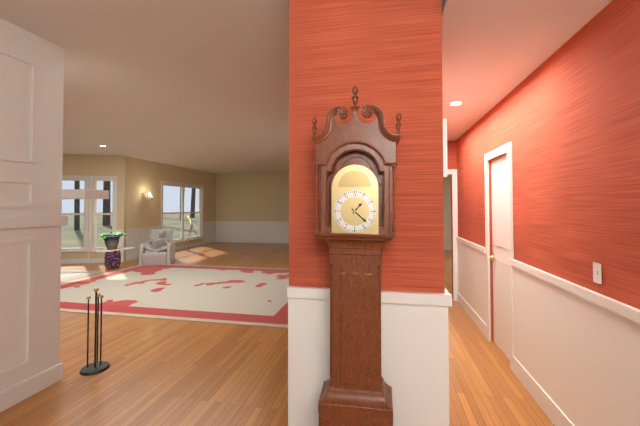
1 h 22 min
